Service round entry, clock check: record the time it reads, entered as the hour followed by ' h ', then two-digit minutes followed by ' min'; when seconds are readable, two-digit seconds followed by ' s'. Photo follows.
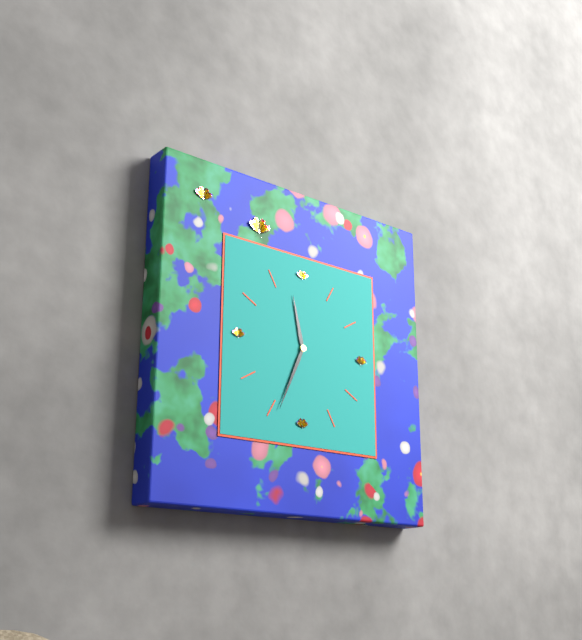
11 h 34 min
